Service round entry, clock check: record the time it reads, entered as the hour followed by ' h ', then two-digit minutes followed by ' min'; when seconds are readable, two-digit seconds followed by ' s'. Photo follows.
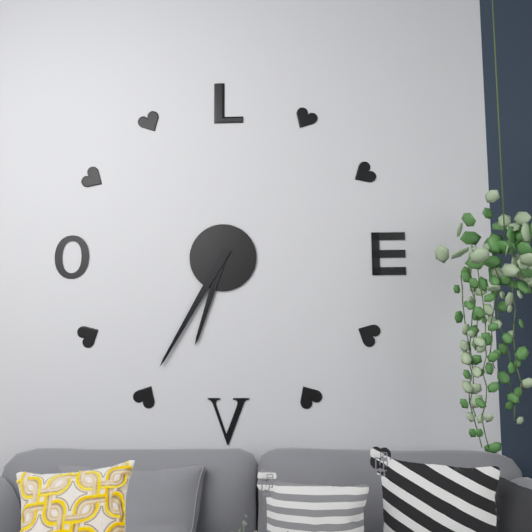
6 h 35 min
